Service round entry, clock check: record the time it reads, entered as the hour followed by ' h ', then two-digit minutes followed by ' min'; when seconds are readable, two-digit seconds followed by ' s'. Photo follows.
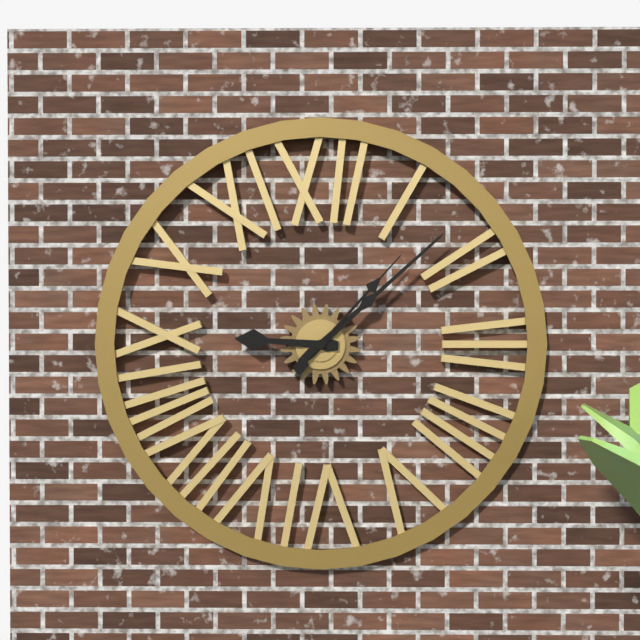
9 h 08 min 07 s
